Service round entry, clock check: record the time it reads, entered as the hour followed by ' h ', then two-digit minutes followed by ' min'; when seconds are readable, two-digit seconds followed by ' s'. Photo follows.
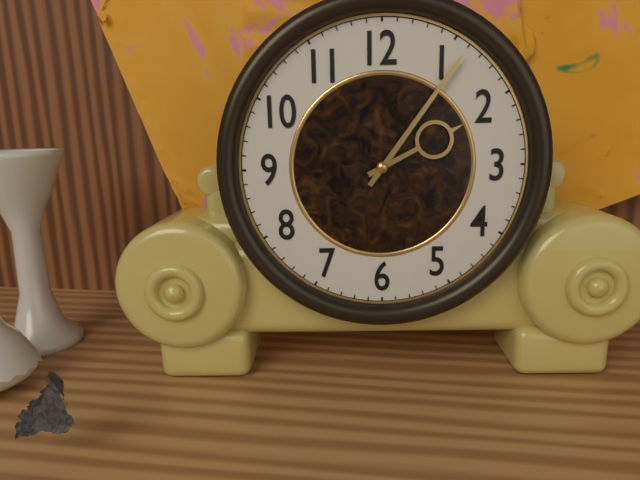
2 h 06 min
